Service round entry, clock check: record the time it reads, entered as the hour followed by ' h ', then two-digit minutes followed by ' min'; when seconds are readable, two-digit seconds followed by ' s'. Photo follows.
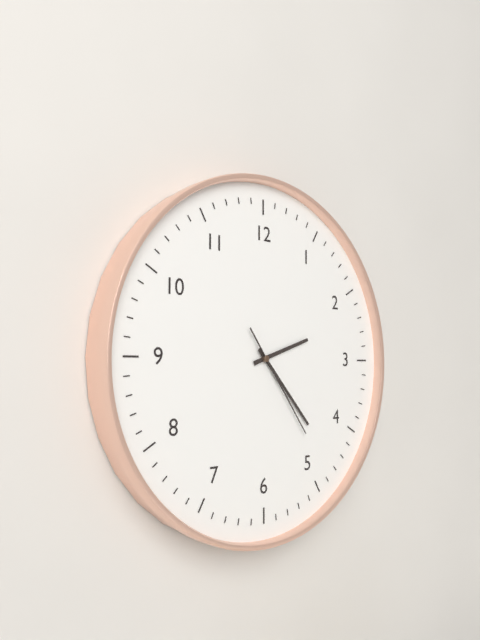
2 h 23 min 24 s
